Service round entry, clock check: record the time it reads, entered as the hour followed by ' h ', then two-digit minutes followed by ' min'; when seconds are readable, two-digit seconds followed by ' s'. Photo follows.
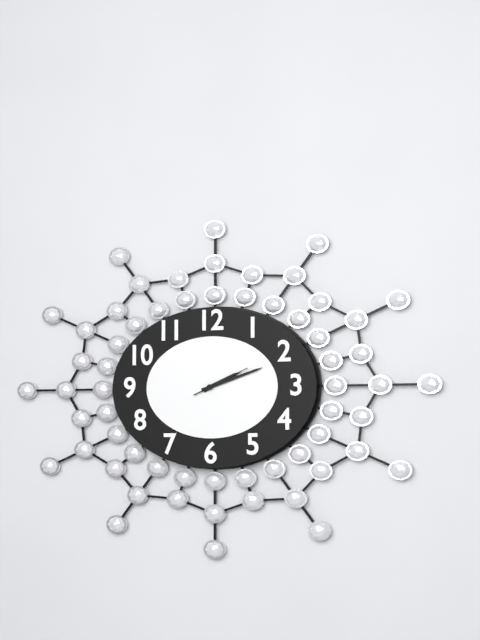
2 h 12 min
